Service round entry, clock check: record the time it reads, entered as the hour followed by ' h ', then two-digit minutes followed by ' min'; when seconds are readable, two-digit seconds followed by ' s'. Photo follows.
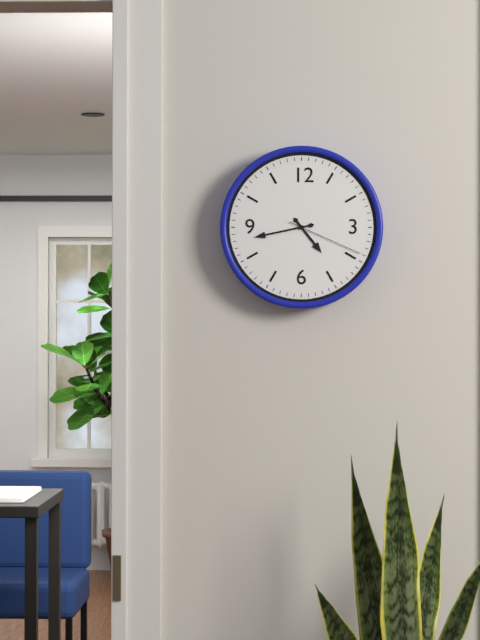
4 h 43 min 19 s
